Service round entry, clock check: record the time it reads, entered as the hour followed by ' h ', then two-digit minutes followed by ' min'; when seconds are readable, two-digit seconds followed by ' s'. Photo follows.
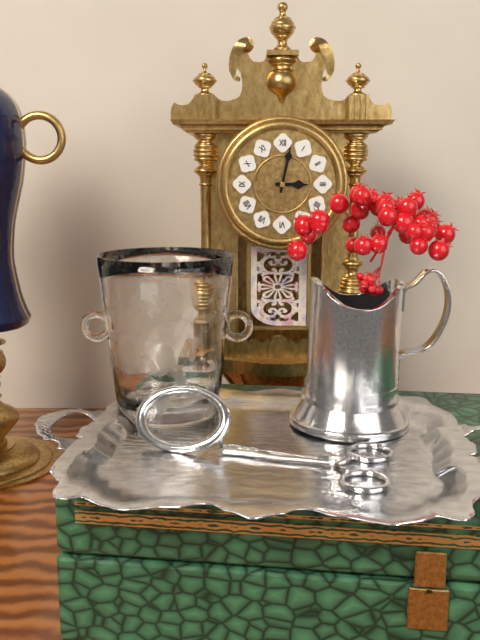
3 h 02 min
